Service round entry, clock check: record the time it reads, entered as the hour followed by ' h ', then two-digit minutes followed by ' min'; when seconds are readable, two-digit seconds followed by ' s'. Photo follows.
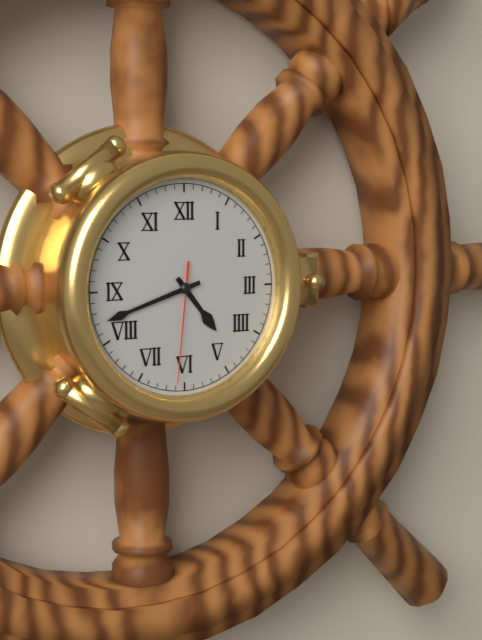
4 h 42 min 31 s
